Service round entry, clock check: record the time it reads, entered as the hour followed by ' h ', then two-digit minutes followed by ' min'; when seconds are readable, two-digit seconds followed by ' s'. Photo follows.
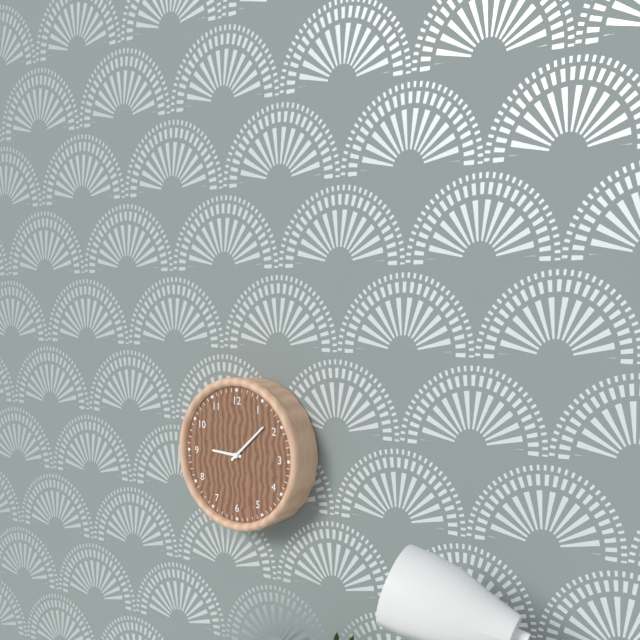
9 h 08 min
